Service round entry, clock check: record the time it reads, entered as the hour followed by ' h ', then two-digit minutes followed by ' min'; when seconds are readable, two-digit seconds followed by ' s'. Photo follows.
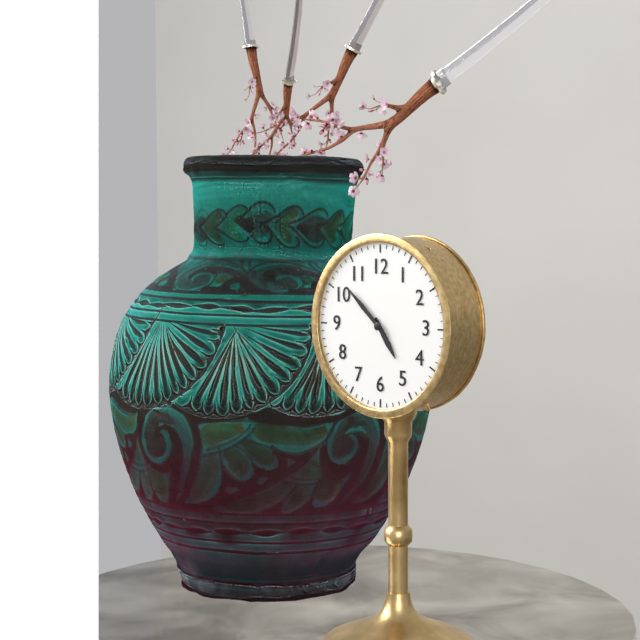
4 h 52 min
